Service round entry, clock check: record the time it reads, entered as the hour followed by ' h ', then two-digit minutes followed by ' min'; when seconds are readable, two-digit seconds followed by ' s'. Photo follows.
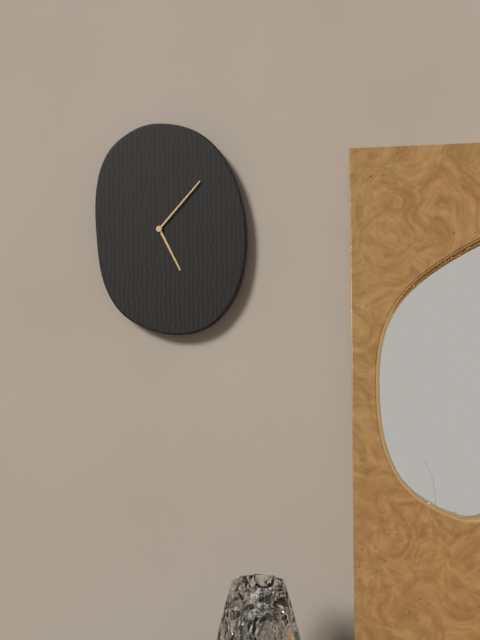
5 h 07 min
